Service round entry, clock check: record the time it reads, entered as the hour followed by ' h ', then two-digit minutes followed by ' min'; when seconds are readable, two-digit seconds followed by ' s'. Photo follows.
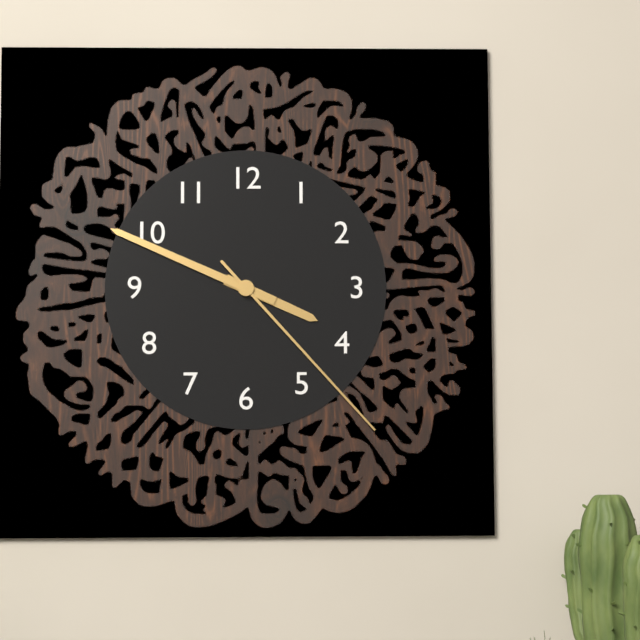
3 h 49 min 23 s
